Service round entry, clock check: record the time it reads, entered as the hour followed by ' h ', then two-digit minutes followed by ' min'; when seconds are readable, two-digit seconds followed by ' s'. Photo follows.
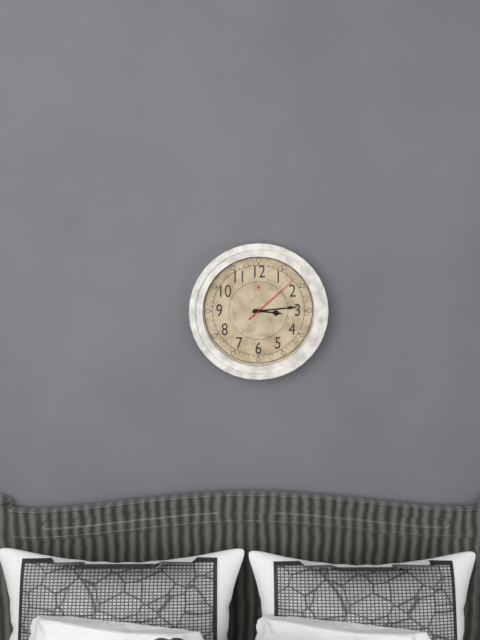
3 h 14 min 08 s
